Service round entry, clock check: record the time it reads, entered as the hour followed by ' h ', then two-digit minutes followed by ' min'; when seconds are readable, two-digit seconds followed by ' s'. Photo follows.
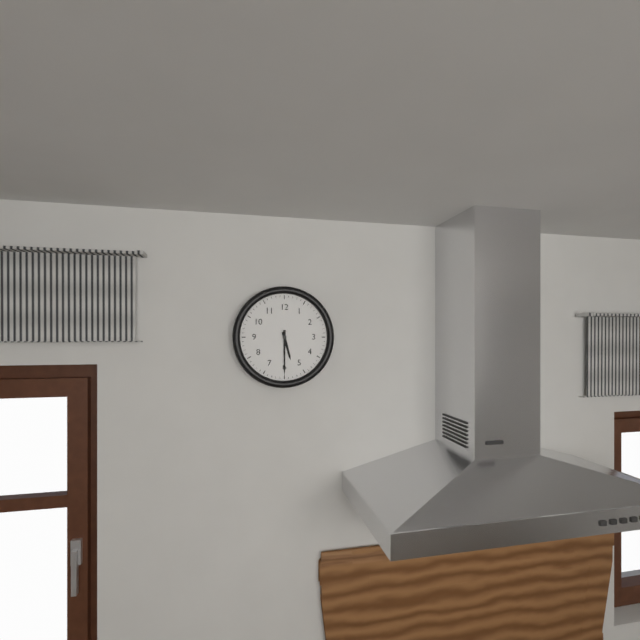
5 h 30 min
